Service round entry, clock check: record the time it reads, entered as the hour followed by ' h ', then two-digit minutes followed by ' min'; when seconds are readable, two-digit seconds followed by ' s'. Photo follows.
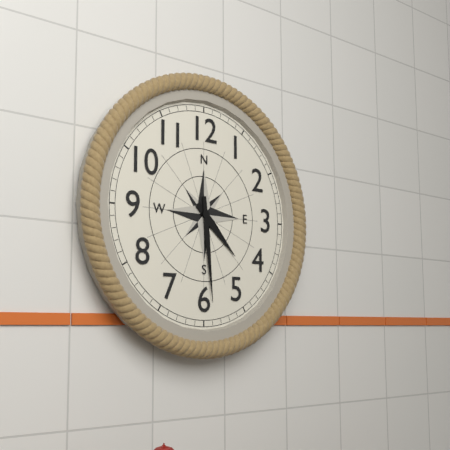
4 h 29 min
